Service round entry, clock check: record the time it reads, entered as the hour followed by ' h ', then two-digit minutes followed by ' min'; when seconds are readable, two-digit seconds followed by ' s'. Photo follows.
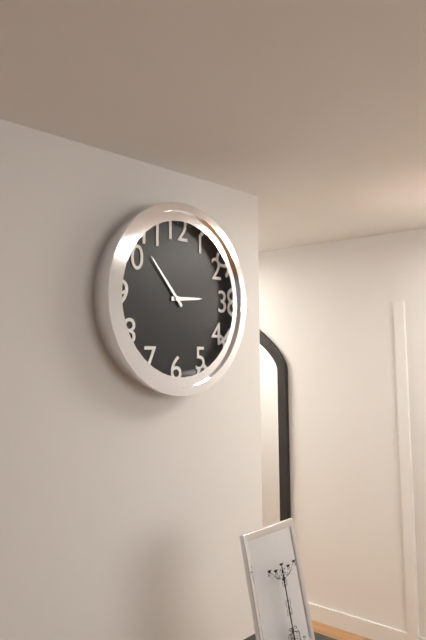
2 h 53 min
